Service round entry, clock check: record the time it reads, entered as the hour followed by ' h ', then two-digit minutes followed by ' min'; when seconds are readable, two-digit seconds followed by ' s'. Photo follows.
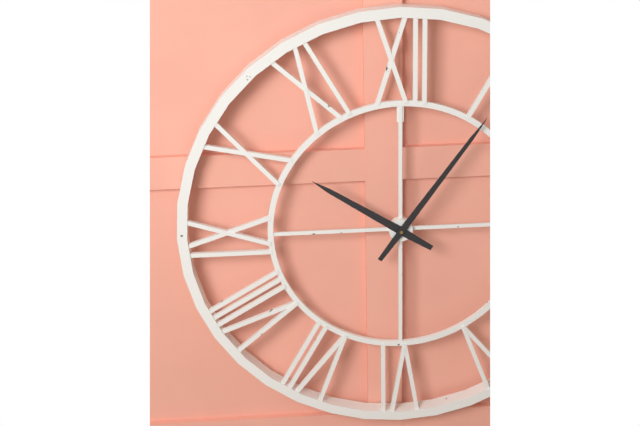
10 h 06 min
